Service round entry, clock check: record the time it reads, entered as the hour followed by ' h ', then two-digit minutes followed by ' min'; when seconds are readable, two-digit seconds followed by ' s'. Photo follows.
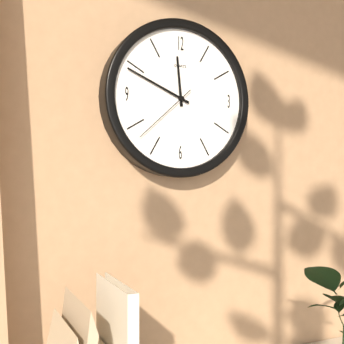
11 h 49 min 38 s
